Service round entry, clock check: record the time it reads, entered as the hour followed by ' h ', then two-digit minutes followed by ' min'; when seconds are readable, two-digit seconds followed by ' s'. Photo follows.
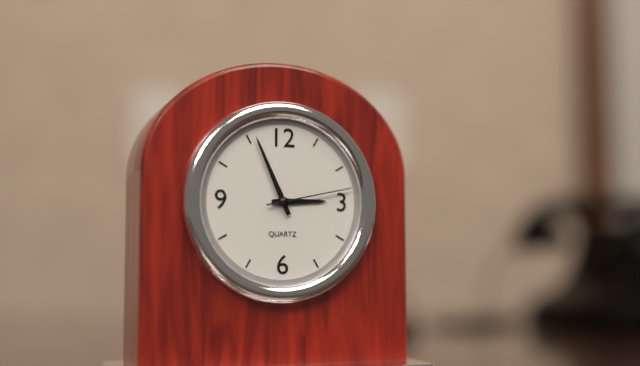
2 h 56 min 13 s
